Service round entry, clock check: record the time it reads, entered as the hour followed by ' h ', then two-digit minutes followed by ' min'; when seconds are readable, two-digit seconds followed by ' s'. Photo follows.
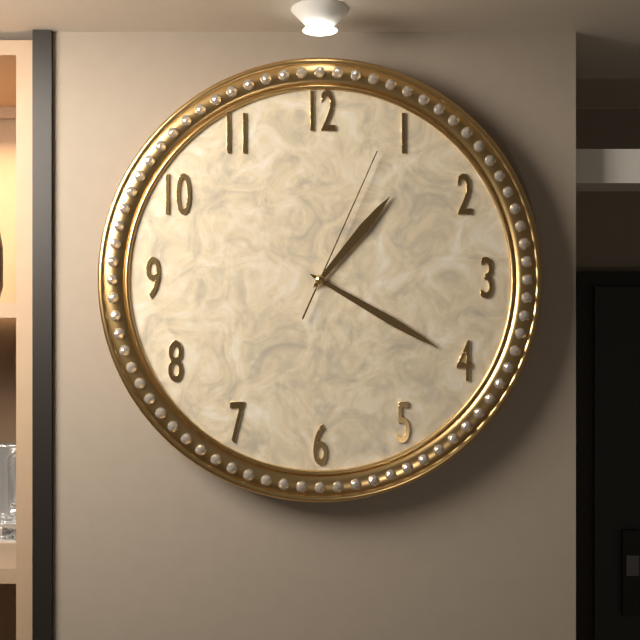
1 h 20 min 04 s
